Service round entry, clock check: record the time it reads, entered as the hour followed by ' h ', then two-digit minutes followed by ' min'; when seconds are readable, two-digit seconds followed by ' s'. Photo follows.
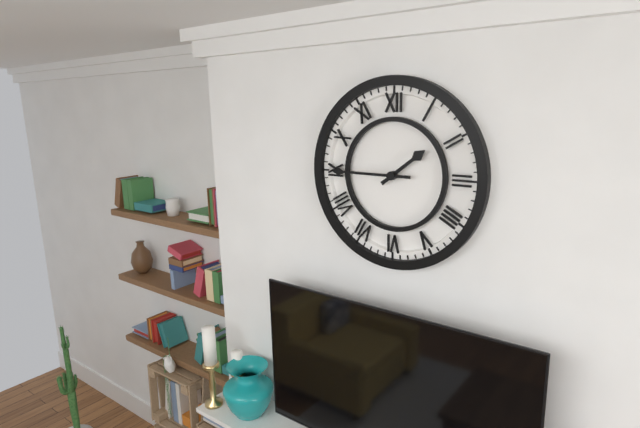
1 h 45 min
